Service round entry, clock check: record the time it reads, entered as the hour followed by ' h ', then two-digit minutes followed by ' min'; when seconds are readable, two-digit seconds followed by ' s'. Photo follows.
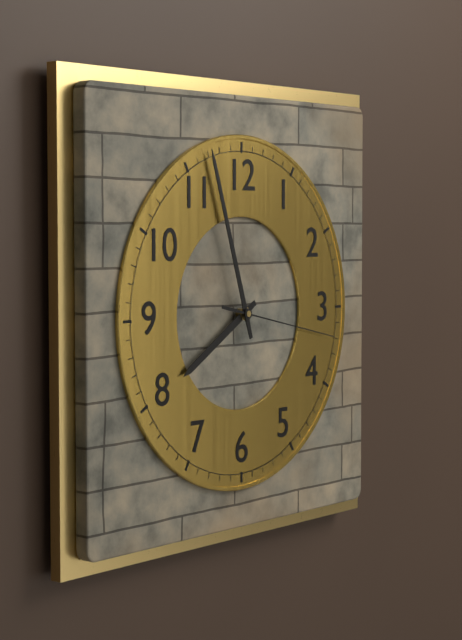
7 h 57 min 17 s
